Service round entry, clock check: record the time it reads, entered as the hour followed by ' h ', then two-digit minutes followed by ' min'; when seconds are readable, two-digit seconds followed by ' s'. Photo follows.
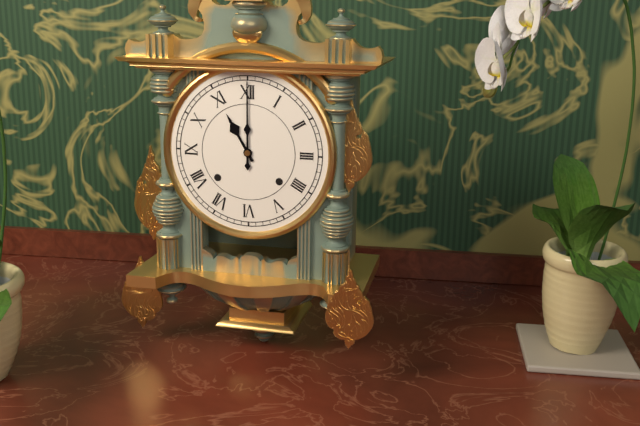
11 h 00 min
